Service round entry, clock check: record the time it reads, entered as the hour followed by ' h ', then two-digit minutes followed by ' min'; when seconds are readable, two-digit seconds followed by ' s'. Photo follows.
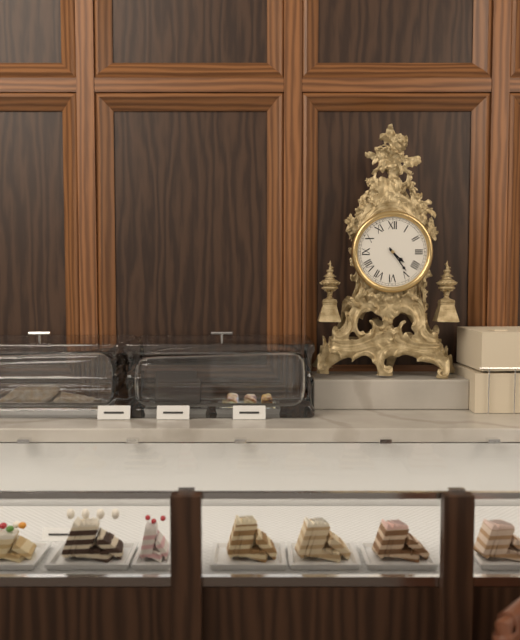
4 h 24 min
